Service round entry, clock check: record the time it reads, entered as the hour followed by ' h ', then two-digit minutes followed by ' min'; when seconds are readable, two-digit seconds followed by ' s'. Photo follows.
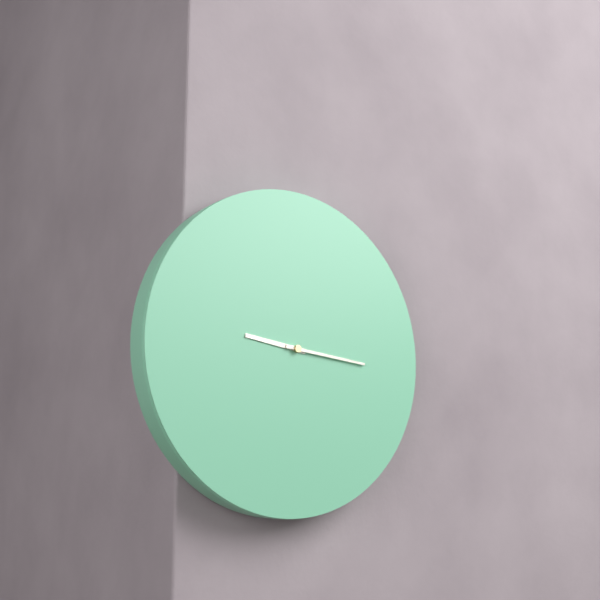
9 h 16 min
